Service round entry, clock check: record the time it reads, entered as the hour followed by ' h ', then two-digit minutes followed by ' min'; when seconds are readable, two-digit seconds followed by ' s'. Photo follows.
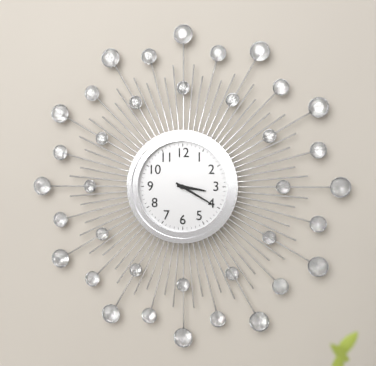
3 h 20 min
